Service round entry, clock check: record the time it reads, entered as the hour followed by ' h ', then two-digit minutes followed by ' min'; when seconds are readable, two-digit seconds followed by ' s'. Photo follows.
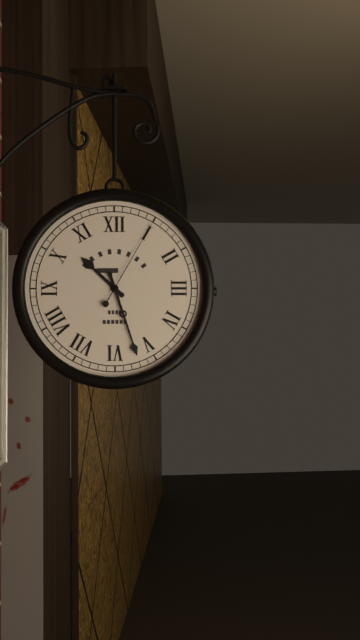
10 h 27 min 05 s
